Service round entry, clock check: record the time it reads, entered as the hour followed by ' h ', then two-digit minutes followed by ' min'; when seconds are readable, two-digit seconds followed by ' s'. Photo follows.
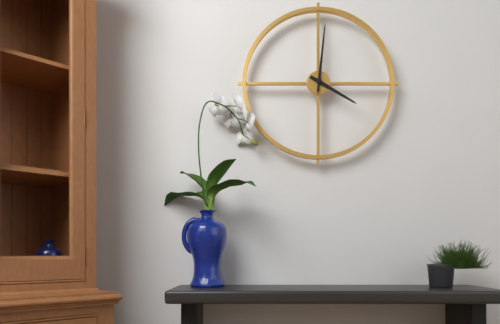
4 h 01 min
